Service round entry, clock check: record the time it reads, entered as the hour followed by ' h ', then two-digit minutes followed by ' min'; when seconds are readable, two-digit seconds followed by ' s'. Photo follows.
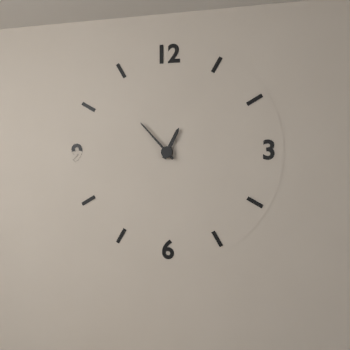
12 h 53 min
